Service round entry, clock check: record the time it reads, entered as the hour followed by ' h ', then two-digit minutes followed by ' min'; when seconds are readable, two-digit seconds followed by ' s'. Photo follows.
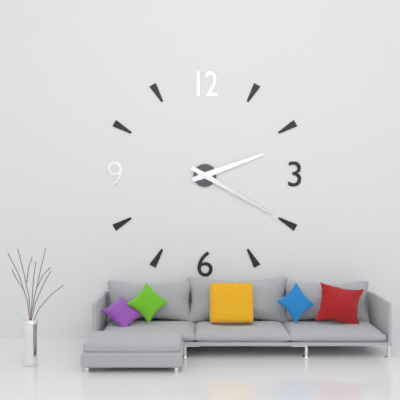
2 h 20 min
